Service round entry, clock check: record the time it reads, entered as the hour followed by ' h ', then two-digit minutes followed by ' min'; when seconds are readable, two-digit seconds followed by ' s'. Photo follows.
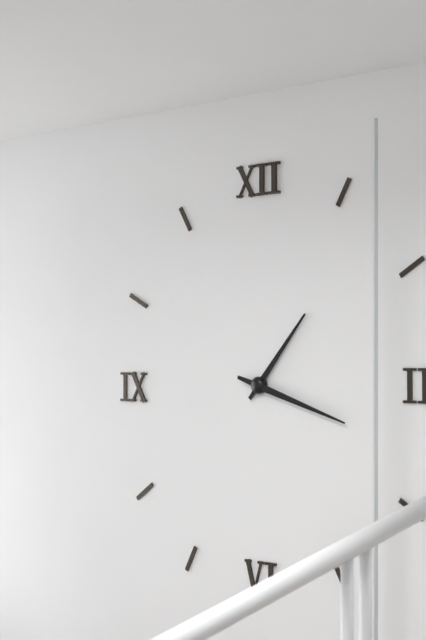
1 h 18 min
